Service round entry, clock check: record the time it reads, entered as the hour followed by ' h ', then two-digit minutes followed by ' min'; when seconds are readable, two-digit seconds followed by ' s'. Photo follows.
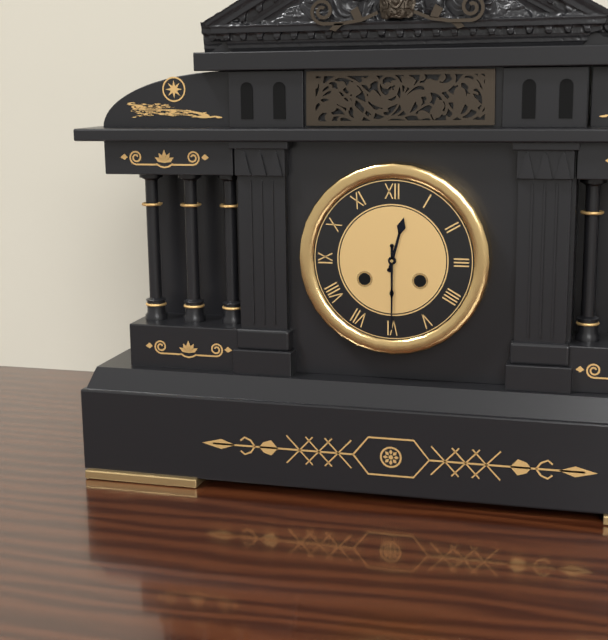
12 h 30 min
